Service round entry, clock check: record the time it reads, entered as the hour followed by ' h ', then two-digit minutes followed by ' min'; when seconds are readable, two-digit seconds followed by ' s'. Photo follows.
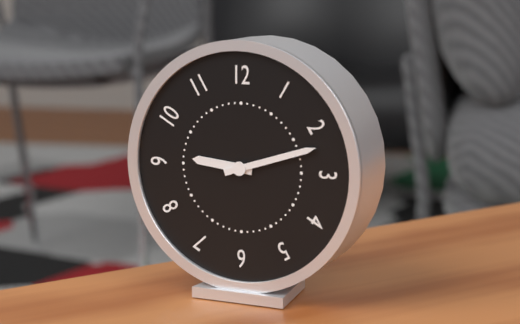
9 h 12 min
